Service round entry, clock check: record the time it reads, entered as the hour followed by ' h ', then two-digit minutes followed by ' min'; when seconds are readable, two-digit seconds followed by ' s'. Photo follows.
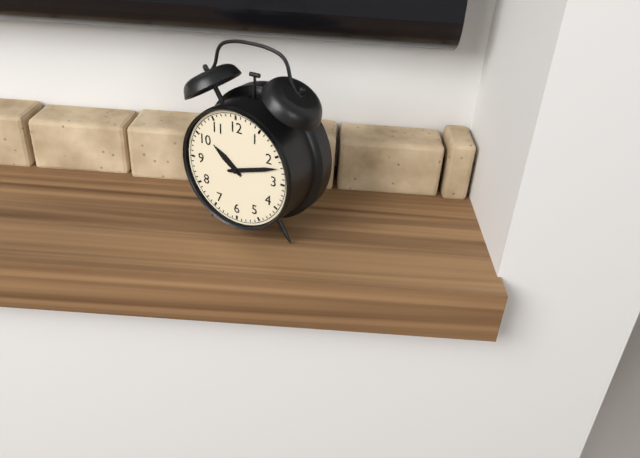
10 h 12 min
